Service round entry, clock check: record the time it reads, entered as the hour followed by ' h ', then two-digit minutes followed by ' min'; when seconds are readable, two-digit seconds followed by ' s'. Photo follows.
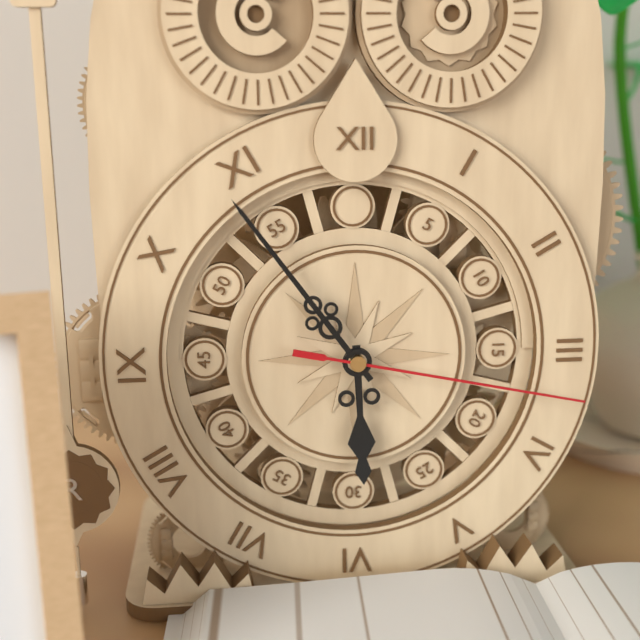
5 h 54 min 17 s
